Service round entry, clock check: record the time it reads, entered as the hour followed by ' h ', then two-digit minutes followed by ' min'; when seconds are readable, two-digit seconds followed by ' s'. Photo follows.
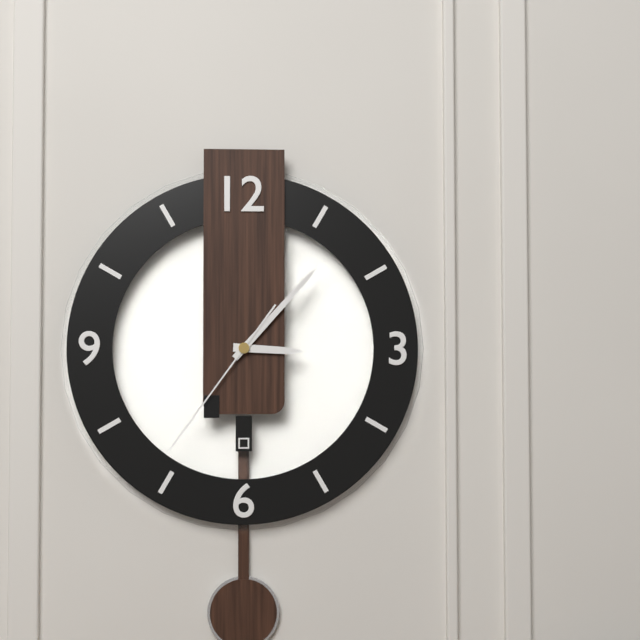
3 h 07 min 36 s
